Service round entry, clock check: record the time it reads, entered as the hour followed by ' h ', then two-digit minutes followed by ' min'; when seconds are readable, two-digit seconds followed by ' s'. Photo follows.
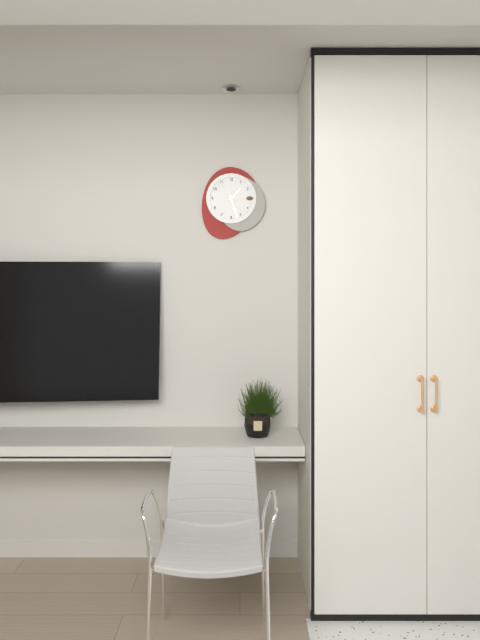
1 h 27 min
